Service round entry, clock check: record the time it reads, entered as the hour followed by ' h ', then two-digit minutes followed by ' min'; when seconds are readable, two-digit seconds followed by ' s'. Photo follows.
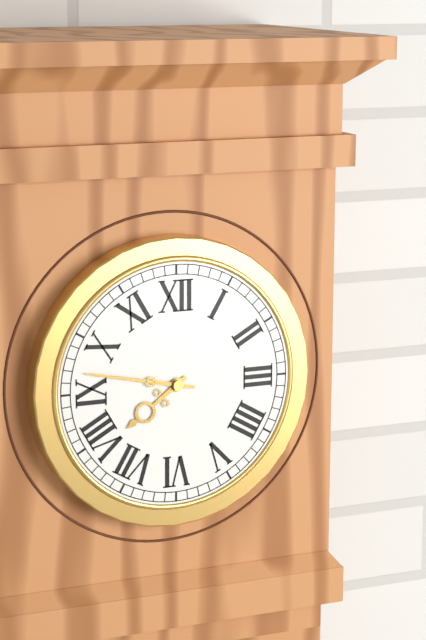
7 h 47 min
